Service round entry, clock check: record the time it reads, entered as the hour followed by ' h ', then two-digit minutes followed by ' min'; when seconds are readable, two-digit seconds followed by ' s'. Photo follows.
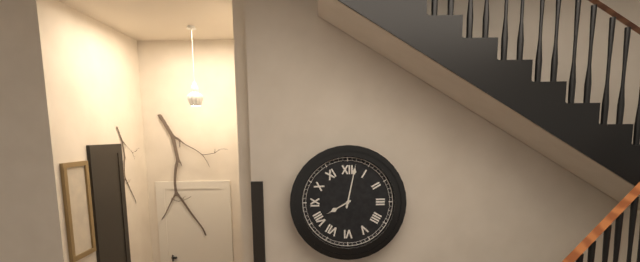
8 h 02 min
